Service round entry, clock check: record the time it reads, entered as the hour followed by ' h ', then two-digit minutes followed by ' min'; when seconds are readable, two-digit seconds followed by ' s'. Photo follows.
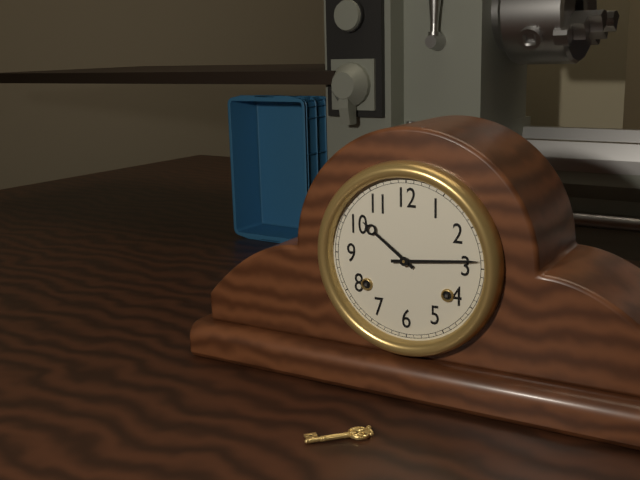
10 h 14 min
